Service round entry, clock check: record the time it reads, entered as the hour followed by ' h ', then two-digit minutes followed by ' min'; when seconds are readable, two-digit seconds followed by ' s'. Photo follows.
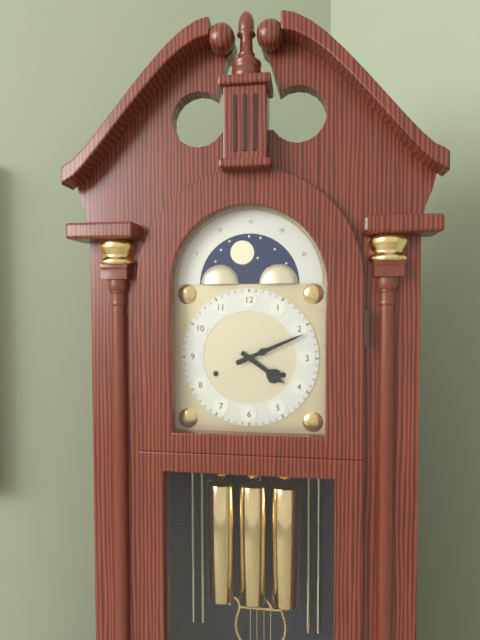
4 h 11 min
